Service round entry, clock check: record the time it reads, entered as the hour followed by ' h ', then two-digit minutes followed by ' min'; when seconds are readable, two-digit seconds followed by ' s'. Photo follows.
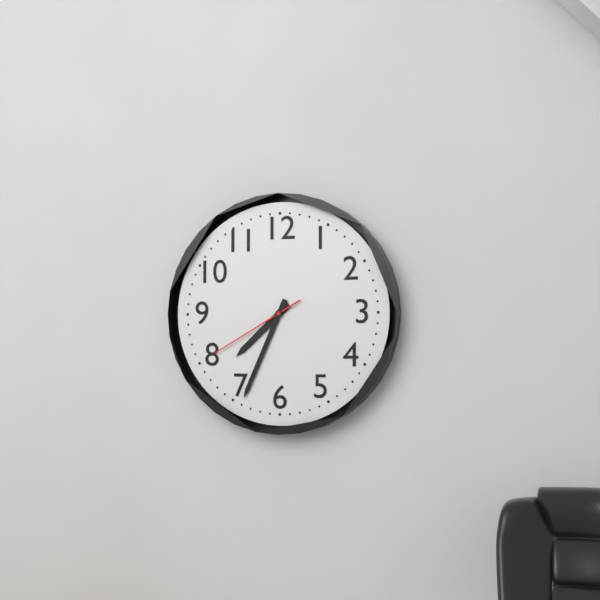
7 h 34 min 40 s
